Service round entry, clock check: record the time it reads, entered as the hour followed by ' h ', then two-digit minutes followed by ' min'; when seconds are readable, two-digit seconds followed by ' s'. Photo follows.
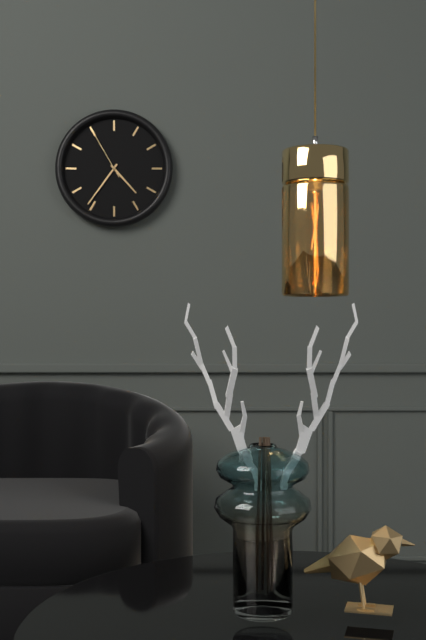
4 h 36 min 55 s
